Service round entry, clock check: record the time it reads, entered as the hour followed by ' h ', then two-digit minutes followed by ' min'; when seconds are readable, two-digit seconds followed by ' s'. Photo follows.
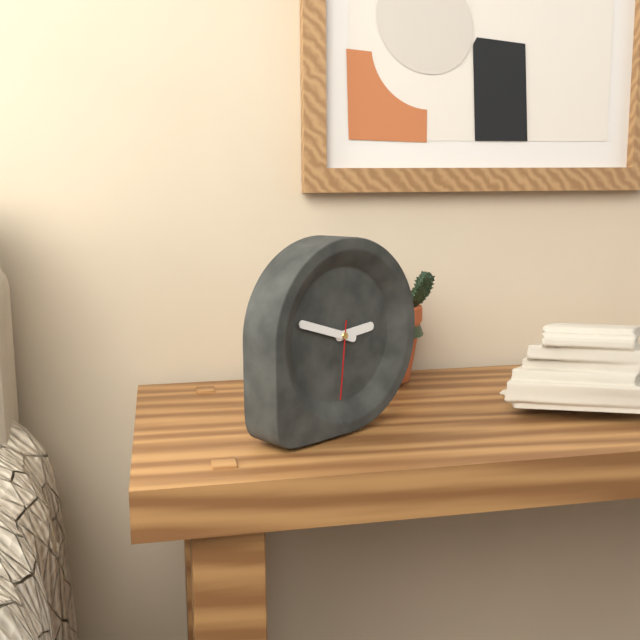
2 h 48 min 31 s
